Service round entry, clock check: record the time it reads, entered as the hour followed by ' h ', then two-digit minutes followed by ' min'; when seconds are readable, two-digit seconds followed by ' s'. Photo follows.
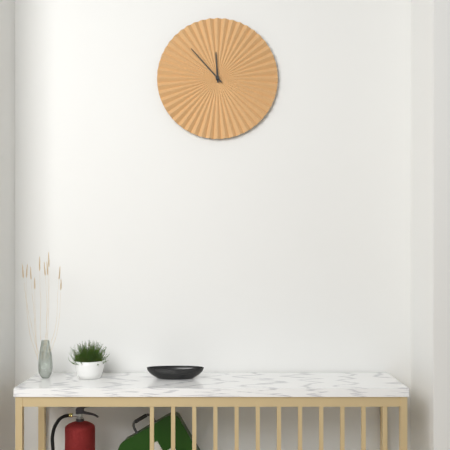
11 h 53 min
